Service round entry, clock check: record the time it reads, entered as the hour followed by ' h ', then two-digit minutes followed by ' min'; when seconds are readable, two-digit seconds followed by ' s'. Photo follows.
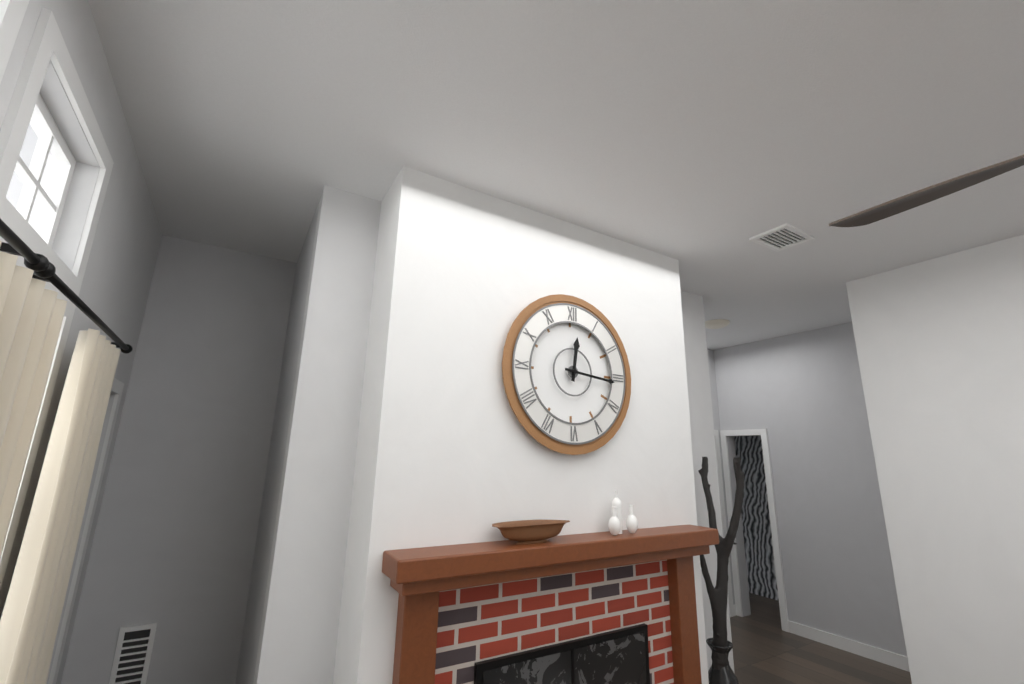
12 h 16 min
